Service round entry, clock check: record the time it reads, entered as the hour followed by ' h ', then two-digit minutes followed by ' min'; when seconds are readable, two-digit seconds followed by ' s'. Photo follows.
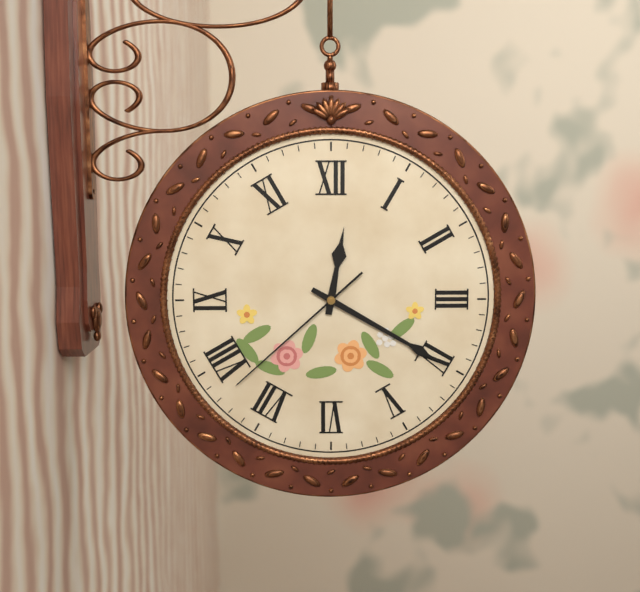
12 h 20 min 38 s
